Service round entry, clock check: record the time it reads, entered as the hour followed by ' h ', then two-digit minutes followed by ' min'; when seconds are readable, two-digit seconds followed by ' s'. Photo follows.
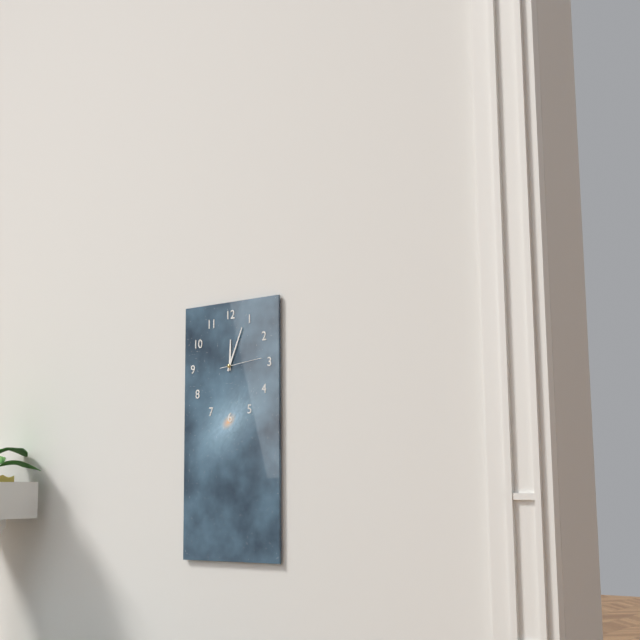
12 h 04 min
